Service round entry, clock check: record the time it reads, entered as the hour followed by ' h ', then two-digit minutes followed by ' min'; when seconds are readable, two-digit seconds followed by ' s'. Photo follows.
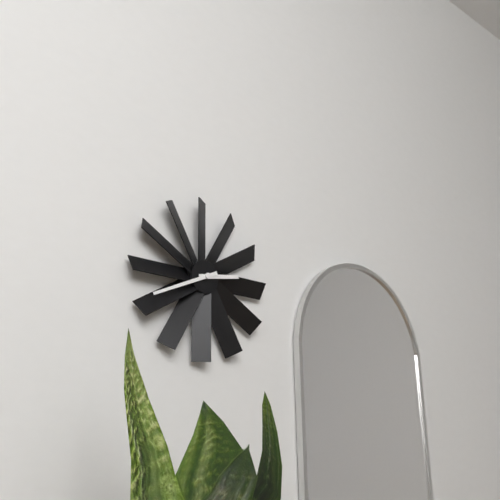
2 h 41 min
